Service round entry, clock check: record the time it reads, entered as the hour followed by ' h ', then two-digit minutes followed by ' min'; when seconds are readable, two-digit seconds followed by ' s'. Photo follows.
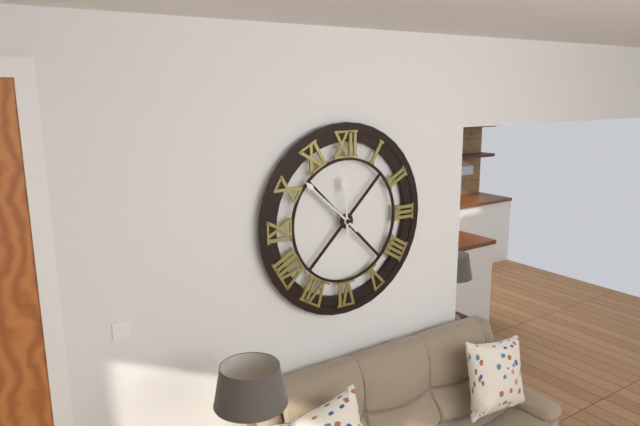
11 h 52 min
